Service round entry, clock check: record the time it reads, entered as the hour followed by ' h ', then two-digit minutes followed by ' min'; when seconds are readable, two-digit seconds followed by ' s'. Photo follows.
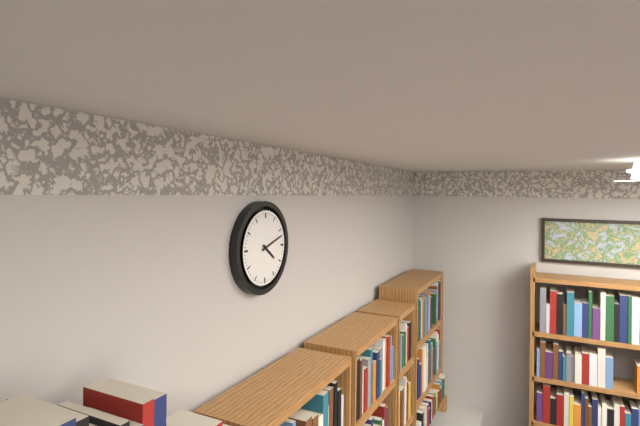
4 h 12 min
